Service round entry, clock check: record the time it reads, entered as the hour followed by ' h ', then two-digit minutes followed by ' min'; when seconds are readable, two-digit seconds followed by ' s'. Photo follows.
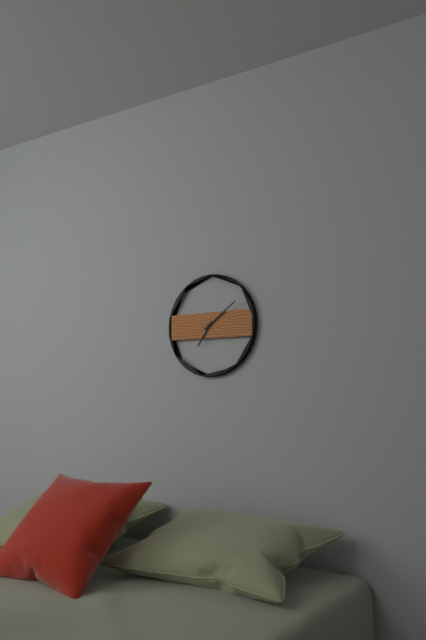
7 h 09 min
